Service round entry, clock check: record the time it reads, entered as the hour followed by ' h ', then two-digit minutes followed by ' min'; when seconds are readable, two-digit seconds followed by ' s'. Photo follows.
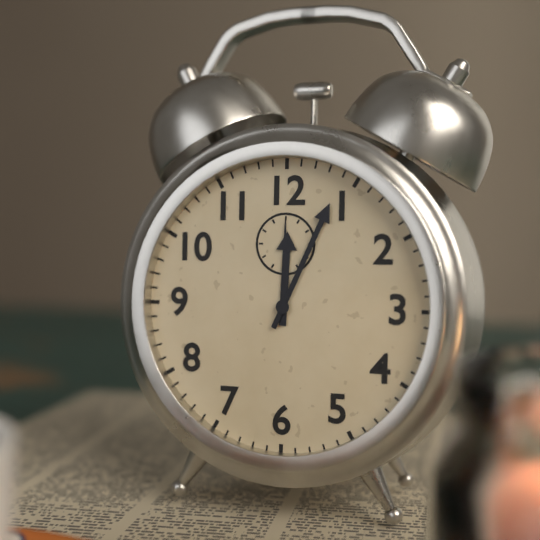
12 h 04 min
